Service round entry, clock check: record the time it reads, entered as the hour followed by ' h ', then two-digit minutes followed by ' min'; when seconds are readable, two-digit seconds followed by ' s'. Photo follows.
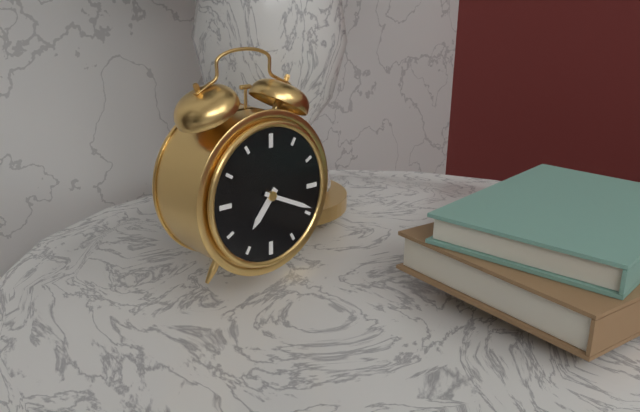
7 h 19 min
